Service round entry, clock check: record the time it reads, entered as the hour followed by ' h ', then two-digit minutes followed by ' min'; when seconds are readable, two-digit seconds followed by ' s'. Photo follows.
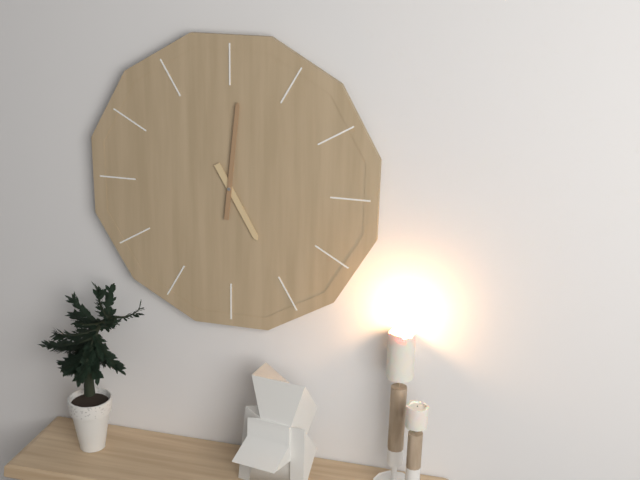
5 h 01 min
